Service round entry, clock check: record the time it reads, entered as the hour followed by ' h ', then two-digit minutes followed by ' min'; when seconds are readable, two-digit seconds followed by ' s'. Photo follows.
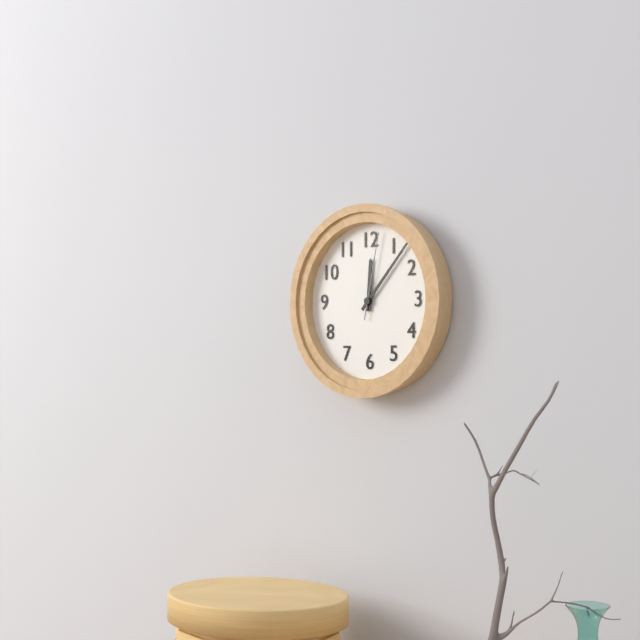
12 h 07 min 02 s
